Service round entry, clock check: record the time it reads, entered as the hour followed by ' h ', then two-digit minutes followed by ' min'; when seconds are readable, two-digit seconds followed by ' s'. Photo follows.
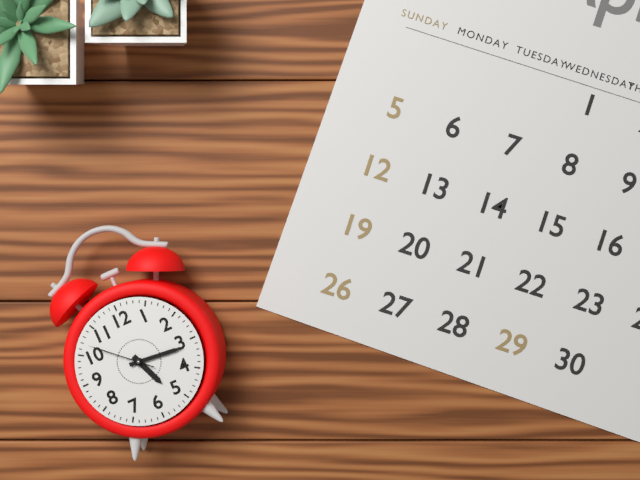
5 h 16 min 52 s
